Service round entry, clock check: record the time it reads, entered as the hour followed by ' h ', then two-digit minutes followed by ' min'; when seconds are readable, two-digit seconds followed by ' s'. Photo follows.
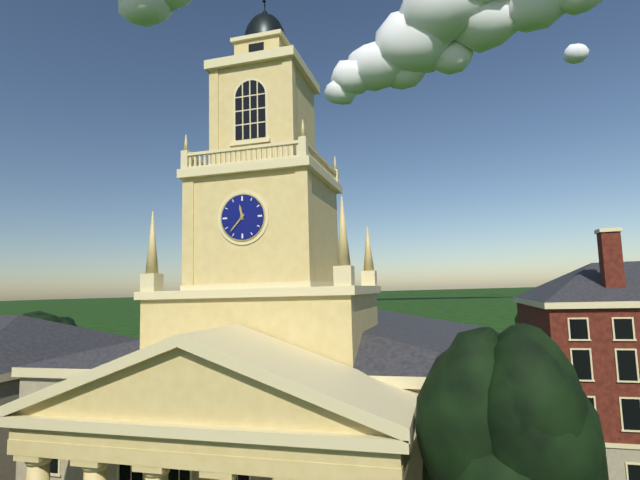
11 h 37 min
